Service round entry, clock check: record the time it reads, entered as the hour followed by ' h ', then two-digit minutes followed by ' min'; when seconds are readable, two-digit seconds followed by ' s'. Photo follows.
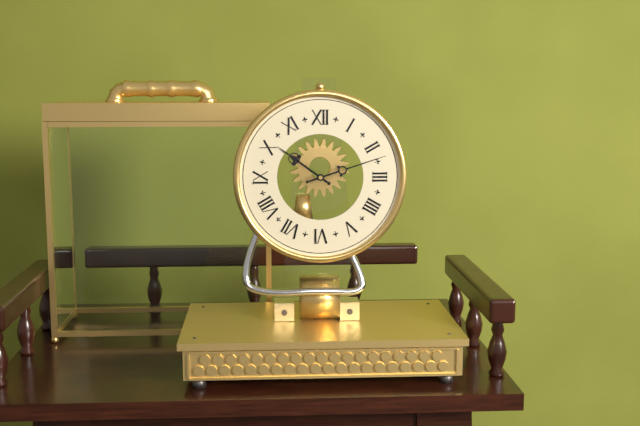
10 h 12 min
